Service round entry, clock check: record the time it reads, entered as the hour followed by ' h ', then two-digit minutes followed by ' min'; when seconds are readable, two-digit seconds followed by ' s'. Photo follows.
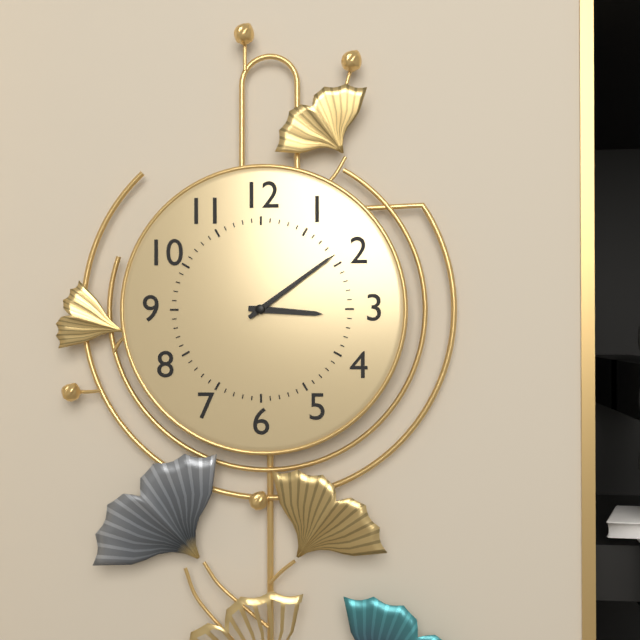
3 h 09 min
